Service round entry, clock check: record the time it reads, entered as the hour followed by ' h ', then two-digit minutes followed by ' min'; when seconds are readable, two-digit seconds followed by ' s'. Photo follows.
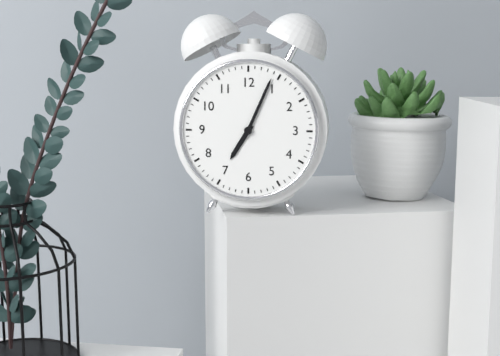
7 h 04 min
